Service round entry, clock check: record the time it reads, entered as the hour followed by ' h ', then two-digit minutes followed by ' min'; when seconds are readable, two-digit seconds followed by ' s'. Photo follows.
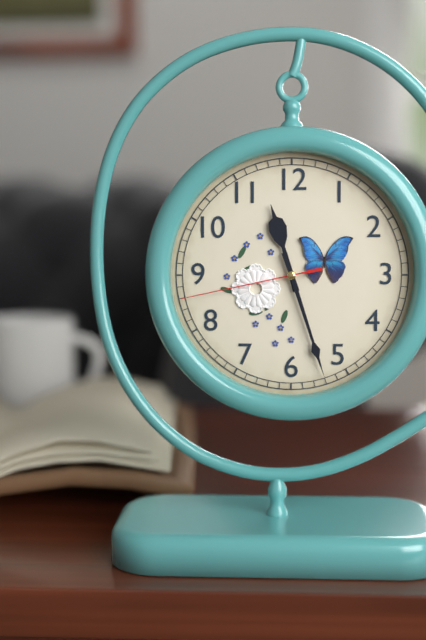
11 h 27 min 43 s
